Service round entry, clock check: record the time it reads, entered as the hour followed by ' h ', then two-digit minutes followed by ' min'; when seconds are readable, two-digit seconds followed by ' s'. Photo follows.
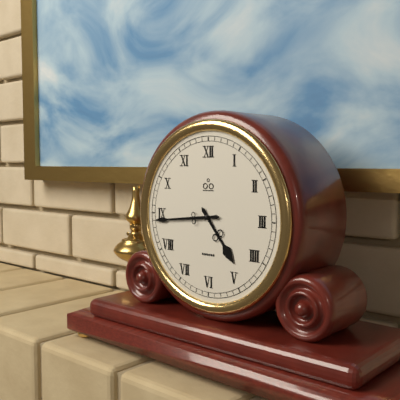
4 h 44 min
